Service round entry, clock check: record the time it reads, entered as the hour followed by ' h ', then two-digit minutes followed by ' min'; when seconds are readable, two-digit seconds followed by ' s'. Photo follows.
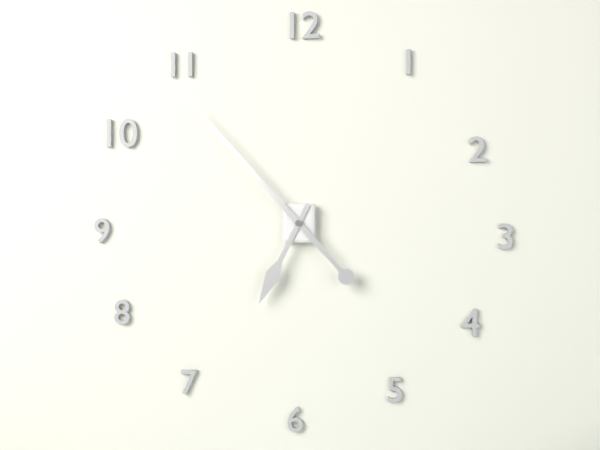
6 h 53 min
